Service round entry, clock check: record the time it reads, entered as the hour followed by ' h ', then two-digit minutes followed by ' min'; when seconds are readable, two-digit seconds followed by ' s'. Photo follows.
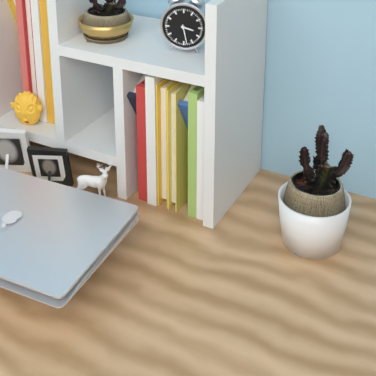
3 h 28 min
